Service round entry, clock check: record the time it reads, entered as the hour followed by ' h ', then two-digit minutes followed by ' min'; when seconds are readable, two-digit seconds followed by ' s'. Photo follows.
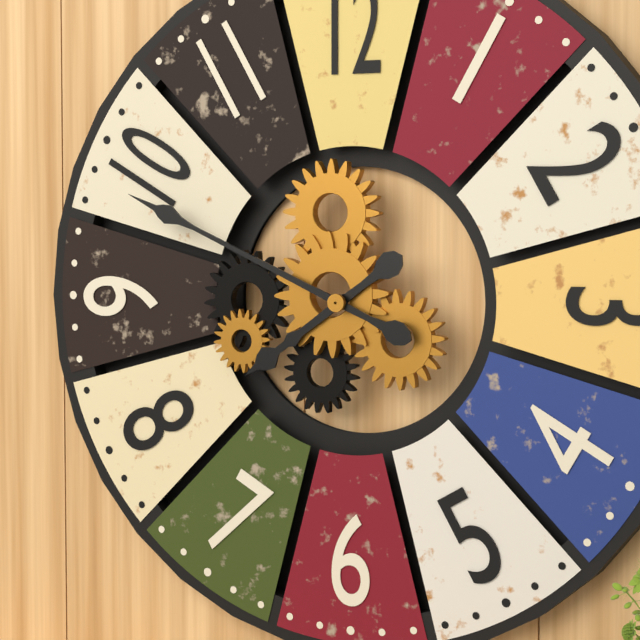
7 h 49 min
